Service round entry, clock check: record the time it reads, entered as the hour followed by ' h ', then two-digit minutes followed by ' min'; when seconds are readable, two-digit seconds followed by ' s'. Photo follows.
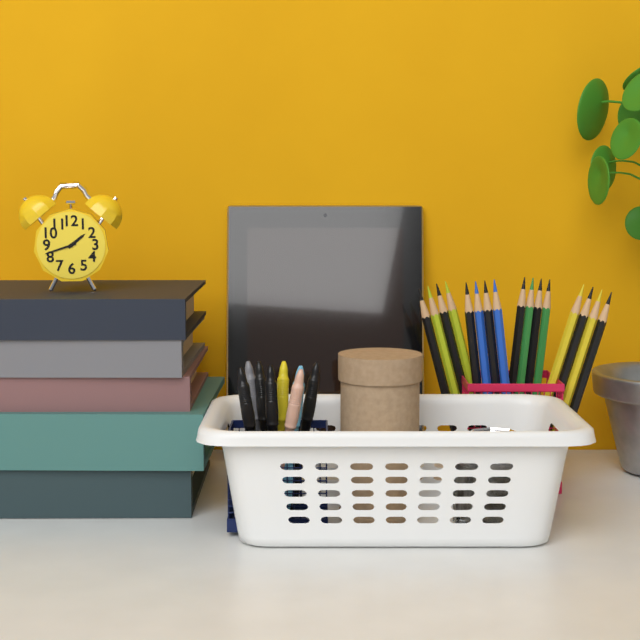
1 h 42 min
